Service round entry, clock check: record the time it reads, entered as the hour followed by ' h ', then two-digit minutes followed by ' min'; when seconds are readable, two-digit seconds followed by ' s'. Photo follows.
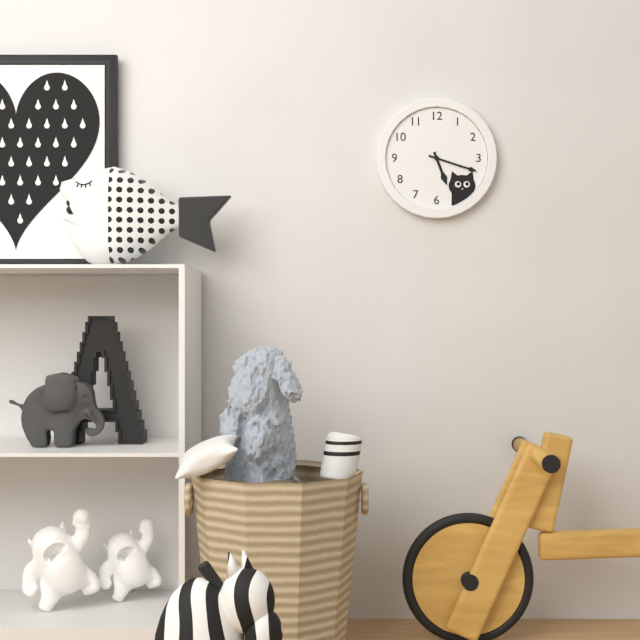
5 h 18 min
